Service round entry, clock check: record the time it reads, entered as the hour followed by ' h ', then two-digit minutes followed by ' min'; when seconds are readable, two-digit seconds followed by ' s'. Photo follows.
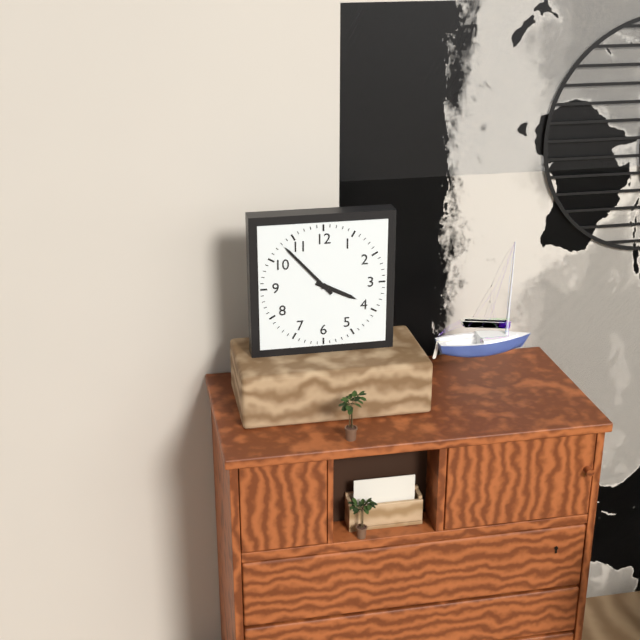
3 h 53 min
